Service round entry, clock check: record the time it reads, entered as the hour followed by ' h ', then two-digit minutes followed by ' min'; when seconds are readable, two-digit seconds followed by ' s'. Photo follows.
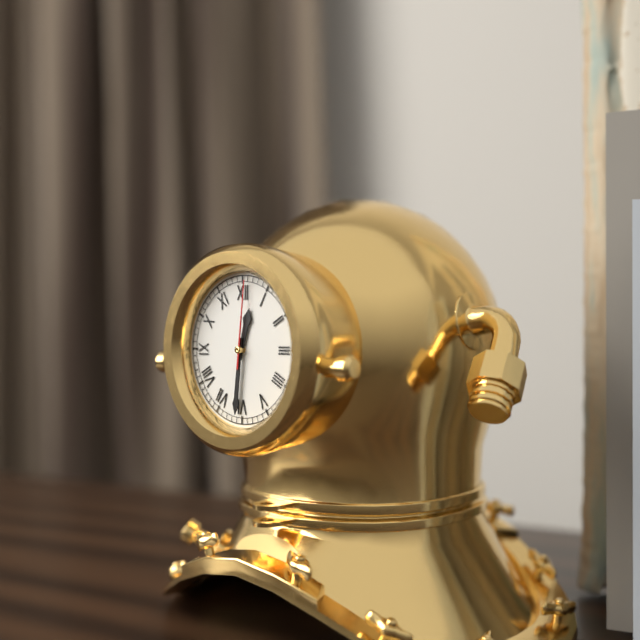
12 h 31 min 01 s
